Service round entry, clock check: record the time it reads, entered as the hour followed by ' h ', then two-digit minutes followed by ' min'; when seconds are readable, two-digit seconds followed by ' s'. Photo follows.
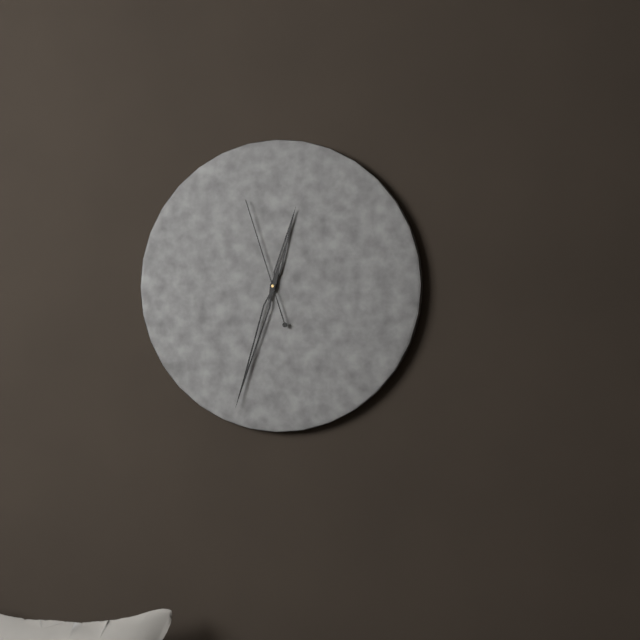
12 h 33 min 57 s
